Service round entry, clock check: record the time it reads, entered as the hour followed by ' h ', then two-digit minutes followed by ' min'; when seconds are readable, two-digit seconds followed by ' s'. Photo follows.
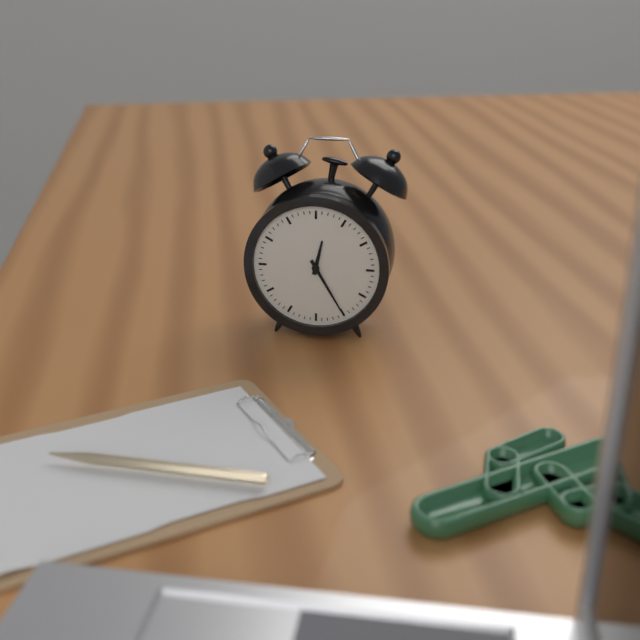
12 h 25 min
